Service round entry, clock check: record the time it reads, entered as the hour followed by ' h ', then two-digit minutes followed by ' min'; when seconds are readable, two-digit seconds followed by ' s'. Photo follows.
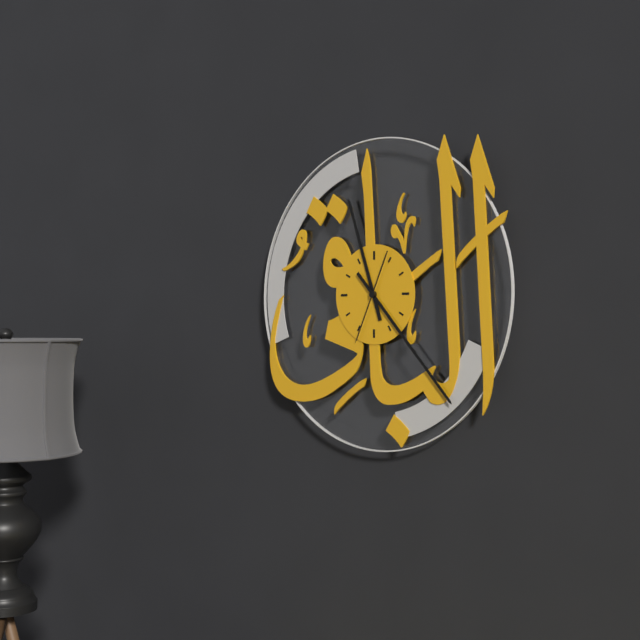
11 h 23 min 34 s
